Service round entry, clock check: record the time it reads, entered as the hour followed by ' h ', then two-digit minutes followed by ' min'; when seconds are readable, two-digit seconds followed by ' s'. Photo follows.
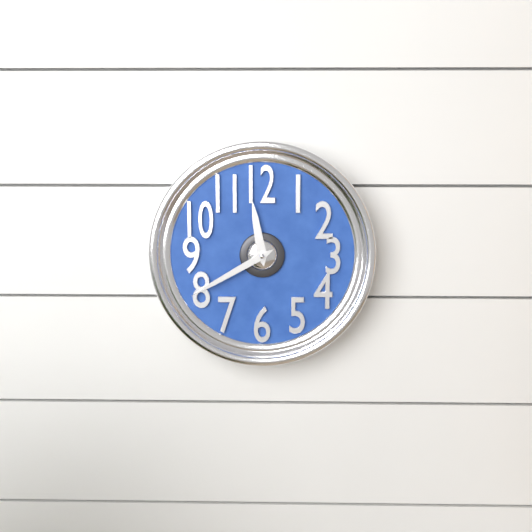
11 h 40 min
